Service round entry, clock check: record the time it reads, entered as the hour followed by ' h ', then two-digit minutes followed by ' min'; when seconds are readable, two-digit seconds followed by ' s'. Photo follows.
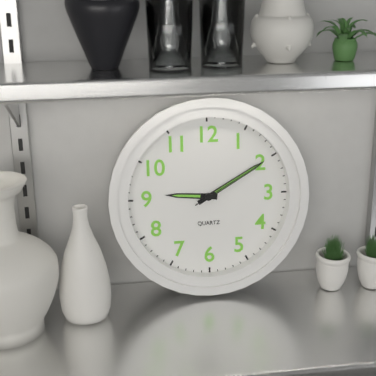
9 h 10 min 10 s
